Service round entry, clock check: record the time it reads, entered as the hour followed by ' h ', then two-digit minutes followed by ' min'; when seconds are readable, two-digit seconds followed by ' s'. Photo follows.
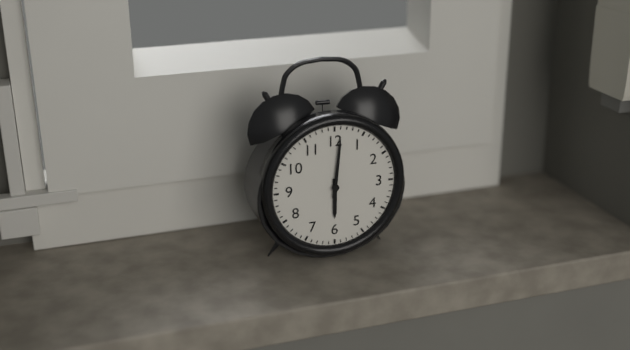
6 h 01 min
